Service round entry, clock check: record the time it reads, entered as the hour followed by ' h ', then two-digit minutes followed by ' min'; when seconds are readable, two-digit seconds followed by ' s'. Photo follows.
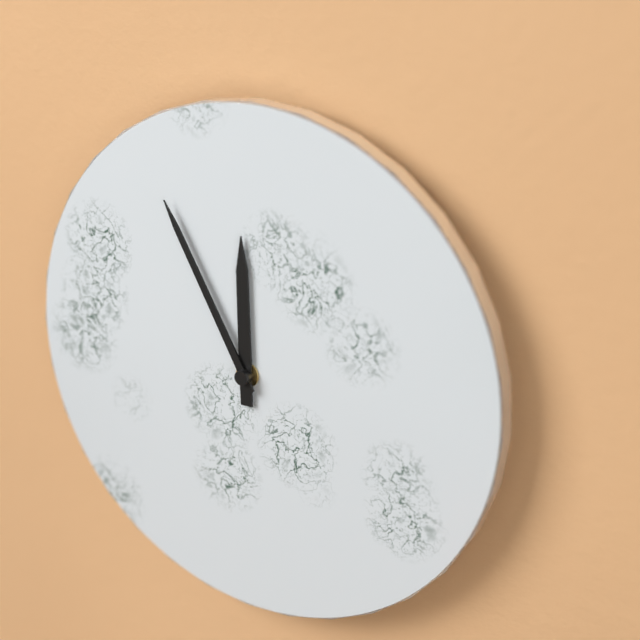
11 h 55 min
